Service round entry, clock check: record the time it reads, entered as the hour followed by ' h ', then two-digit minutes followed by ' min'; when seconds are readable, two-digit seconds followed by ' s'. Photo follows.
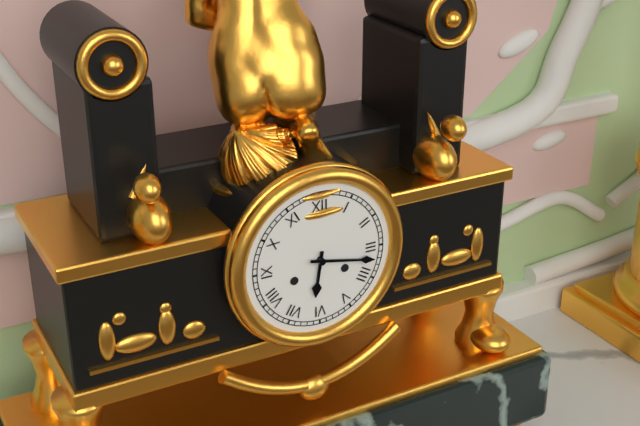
6 h 17 min
